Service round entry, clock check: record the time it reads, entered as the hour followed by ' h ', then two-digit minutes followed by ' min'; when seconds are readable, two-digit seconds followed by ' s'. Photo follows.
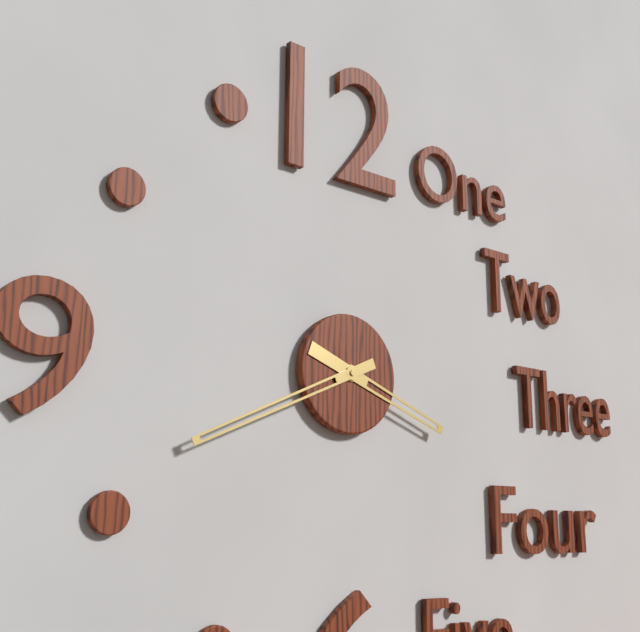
3 h 41 min
